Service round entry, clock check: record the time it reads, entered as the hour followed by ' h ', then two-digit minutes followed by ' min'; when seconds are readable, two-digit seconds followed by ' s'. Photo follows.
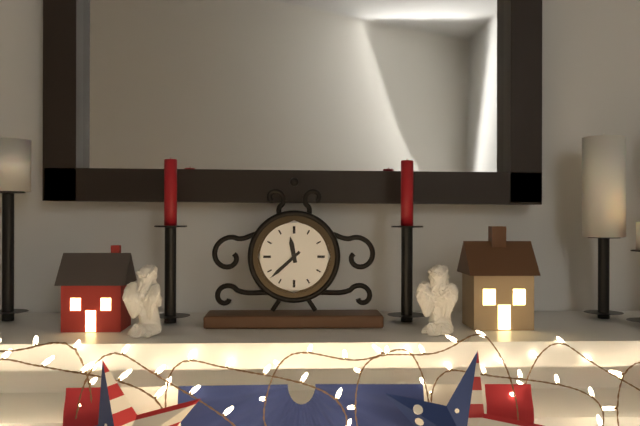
11 h 38 min
